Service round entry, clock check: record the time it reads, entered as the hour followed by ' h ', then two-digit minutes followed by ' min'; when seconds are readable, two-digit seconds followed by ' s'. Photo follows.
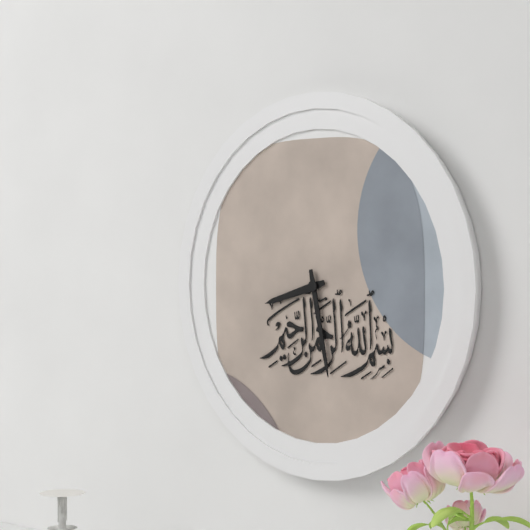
8 h 28 min
